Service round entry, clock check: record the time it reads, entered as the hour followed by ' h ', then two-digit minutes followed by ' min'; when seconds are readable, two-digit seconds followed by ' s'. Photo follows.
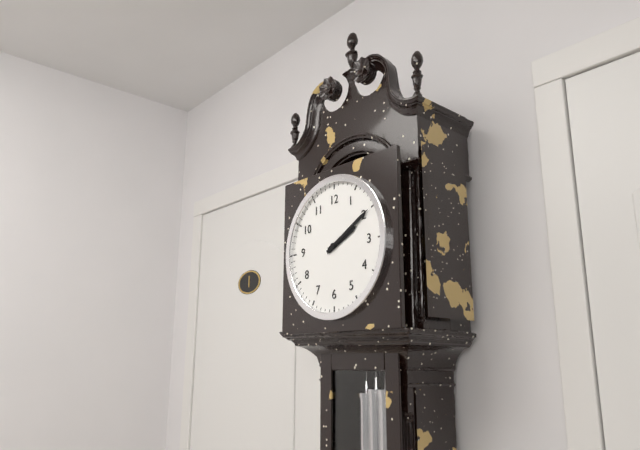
2 h 10 min
